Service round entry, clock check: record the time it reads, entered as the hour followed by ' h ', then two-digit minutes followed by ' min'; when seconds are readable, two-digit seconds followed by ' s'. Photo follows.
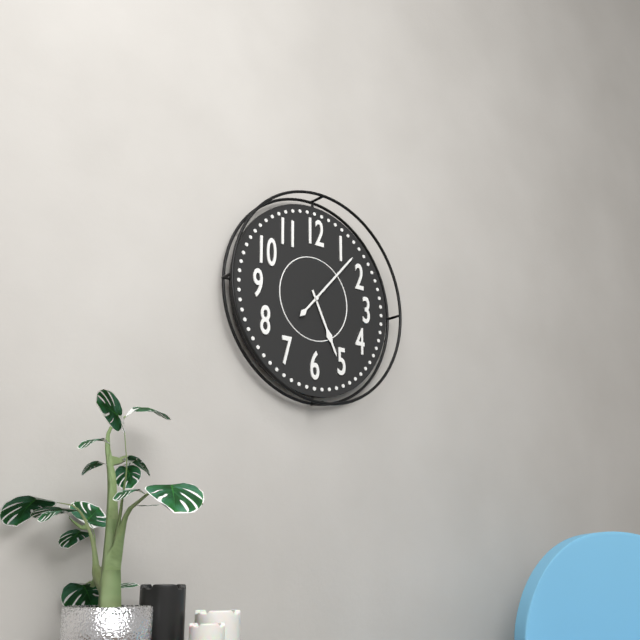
5 h 07 min
